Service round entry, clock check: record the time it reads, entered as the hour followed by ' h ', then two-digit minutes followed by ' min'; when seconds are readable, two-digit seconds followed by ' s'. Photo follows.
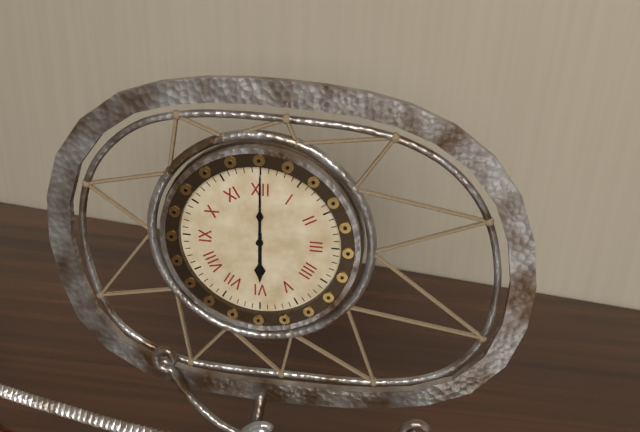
6 h 00 min
